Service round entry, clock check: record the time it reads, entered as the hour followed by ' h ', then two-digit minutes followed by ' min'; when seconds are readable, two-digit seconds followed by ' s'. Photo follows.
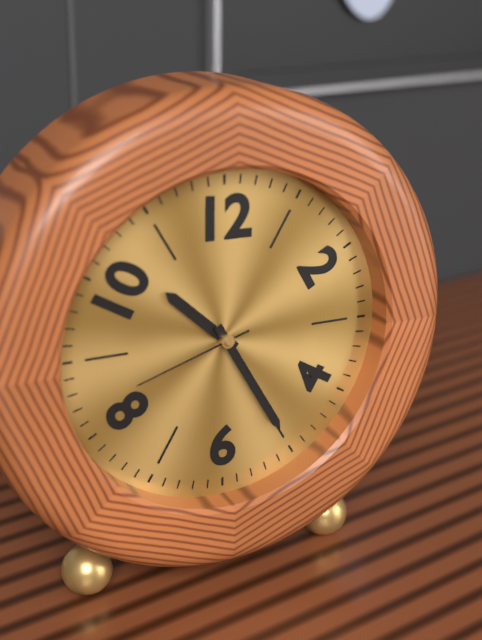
10 h 25 min 42 s
